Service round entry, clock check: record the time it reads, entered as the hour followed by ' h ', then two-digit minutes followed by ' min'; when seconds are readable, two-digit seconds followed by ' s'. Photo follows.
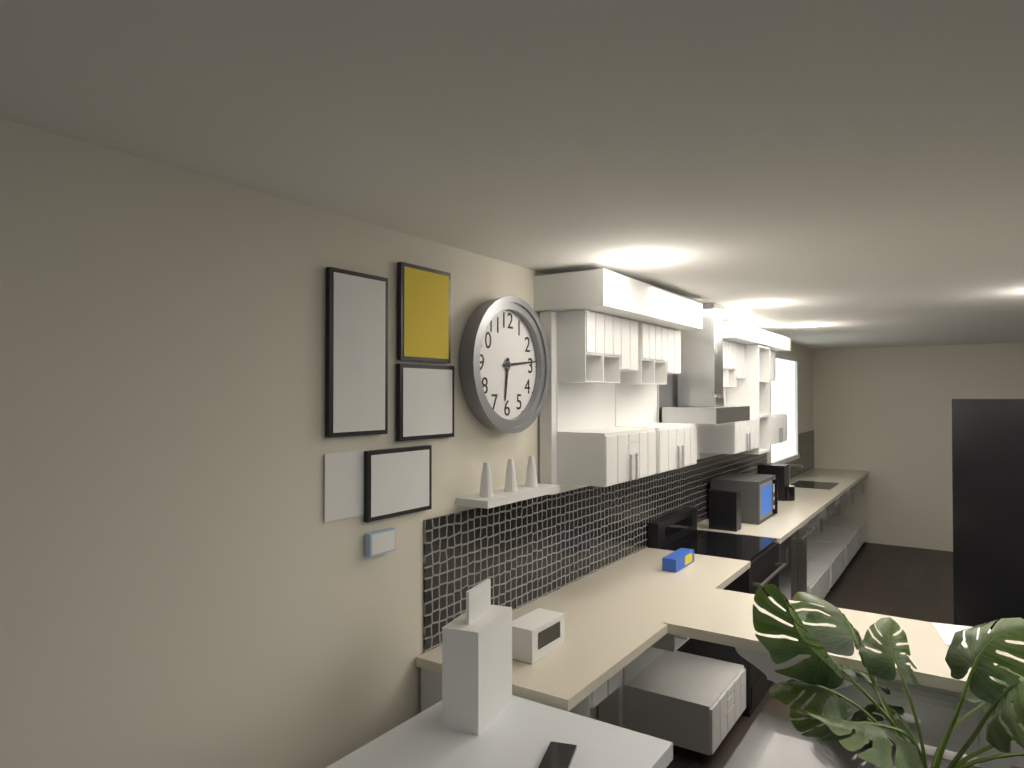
6 h 14 min
